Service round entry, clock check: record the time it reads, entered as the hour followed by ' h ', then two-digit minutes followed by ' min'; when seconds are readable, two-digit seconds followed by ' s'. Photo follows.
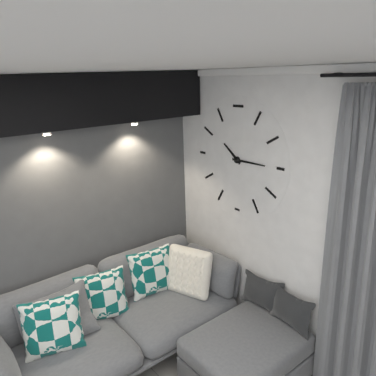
10 h 15 min
